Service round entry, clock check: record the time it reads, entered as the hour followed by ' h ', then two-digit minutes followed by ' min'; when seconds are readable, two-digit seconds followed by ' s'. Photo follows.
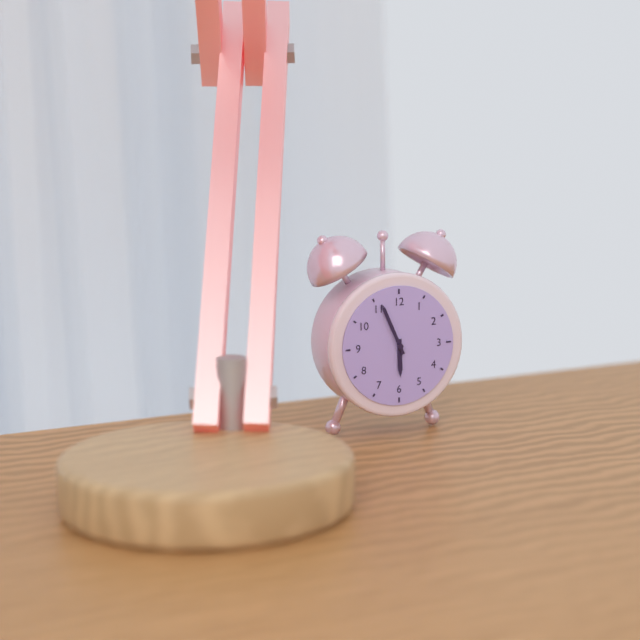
5 h 56 min
